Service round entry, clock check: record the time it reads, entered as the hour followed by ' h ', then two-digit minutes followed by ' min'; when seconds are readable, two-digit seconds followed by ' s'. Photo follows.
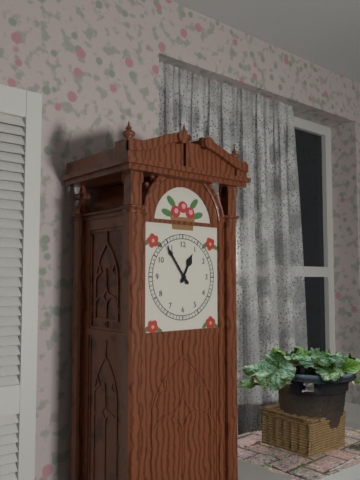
12 h 54 min
